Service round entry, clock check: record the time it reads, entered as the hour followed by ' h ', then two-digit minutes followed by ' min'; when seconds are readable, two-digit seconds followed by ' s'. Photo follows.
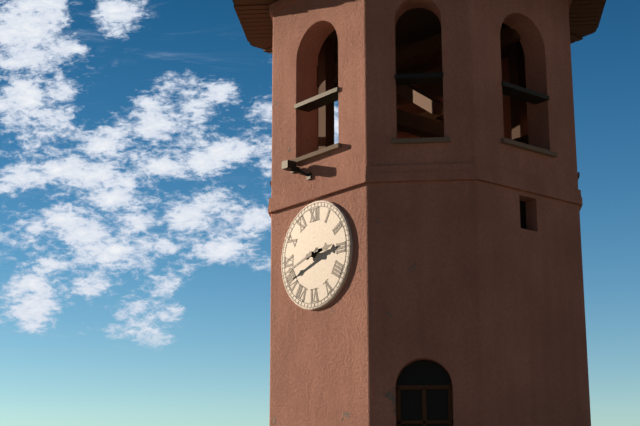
2 h 42 min
